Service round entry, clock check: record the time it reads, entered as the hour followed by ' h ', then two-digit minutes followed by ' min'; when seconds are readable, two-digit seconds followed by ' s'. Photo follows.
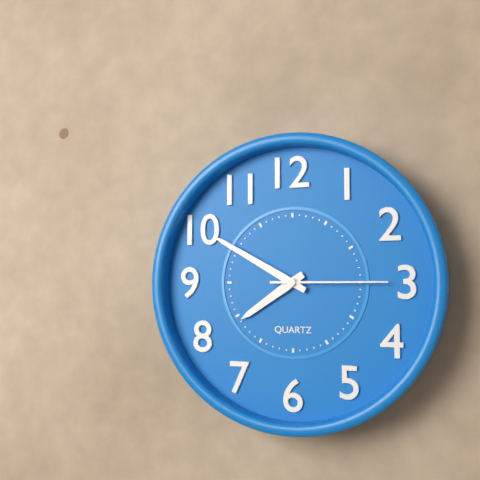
7 h 50 min 15 s
